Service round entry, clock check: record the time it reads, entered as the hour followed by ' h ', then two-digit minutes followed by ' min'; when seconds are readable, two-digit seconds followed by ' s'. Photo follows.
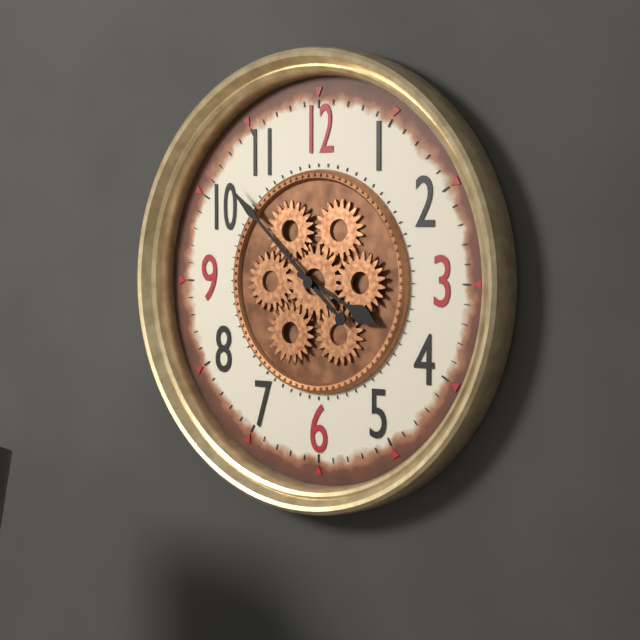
3 h 52 min
